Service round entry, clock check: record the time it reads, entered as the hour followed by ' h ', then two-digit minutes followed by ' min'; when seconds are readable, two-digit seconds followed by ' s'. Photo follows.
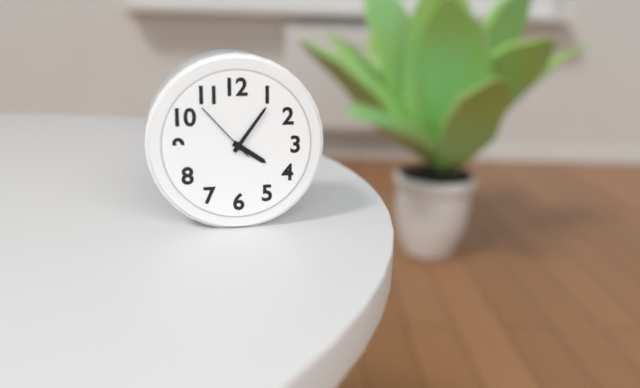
4 h 06 min 53 s
